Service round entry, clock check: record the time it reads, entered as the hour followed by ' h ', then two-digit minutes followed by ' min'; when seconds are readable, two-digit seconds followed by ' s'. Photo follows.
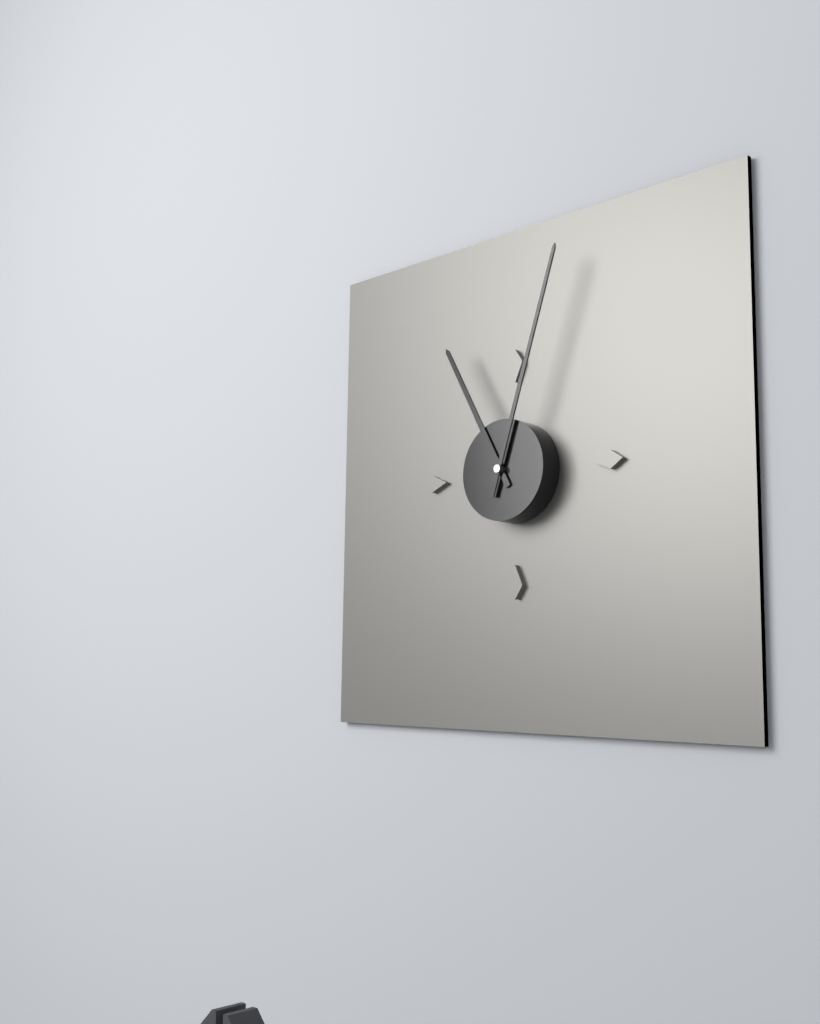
11 h 03 min
